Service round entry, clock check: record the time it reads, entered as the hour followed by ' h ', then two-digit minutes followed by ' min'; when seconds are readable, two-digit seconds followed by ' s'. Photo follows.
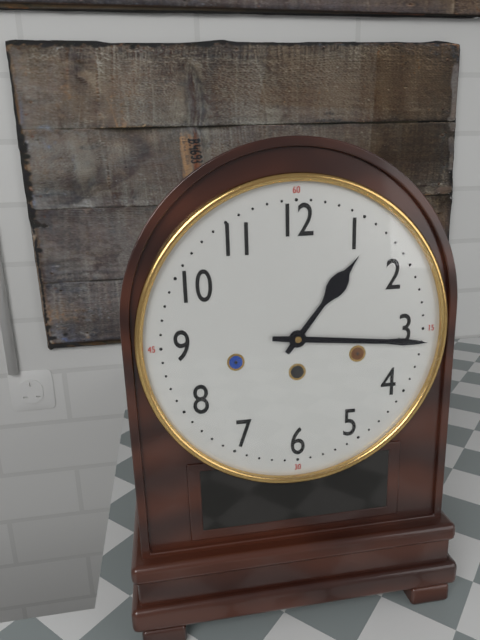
1 h 16 min
